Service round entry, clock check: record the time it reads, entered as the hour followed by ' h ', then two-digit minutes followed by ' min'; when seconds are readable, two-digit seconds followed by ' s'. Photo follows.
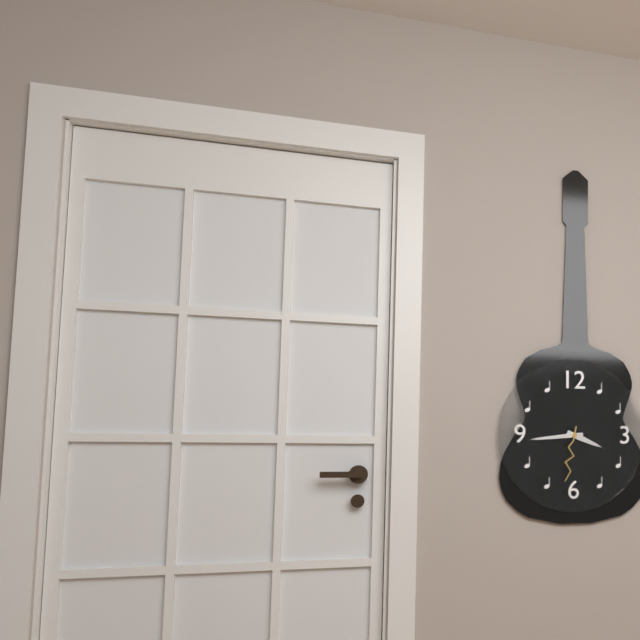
3 h 44 min 32 s
